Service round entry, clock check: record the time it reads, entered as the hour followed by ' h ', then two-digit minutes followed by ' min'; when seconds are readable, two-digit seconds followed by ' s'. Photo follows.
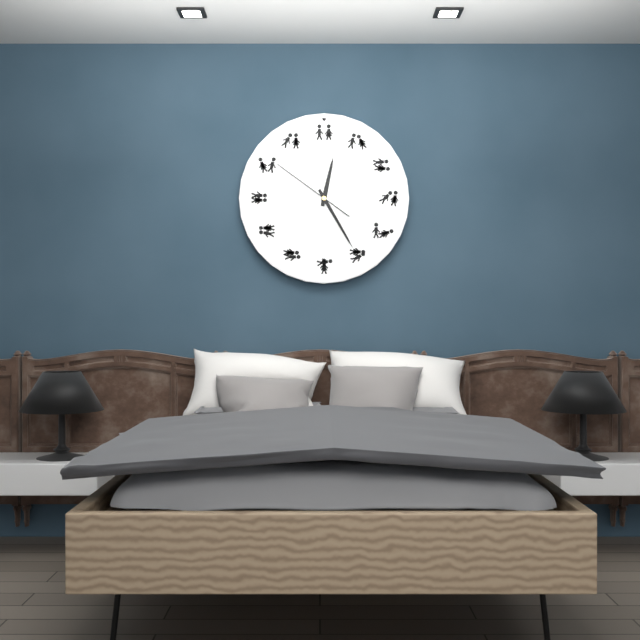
12 h 25 min 51 s
